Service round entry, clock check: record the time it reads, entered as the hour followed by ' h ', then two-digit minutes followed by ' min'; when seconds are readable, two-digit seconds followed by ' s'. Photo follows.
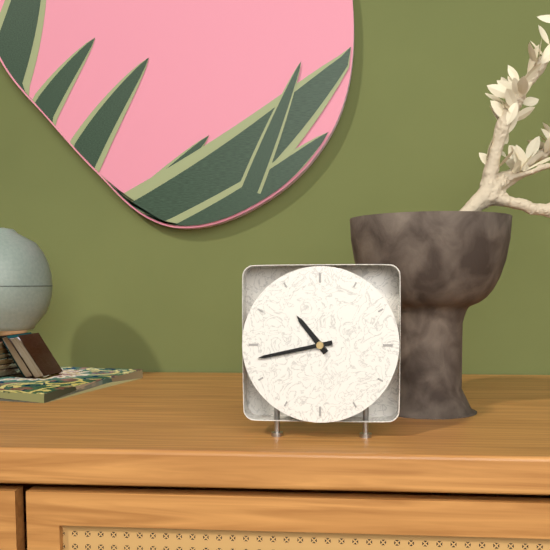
10 h 43 min
